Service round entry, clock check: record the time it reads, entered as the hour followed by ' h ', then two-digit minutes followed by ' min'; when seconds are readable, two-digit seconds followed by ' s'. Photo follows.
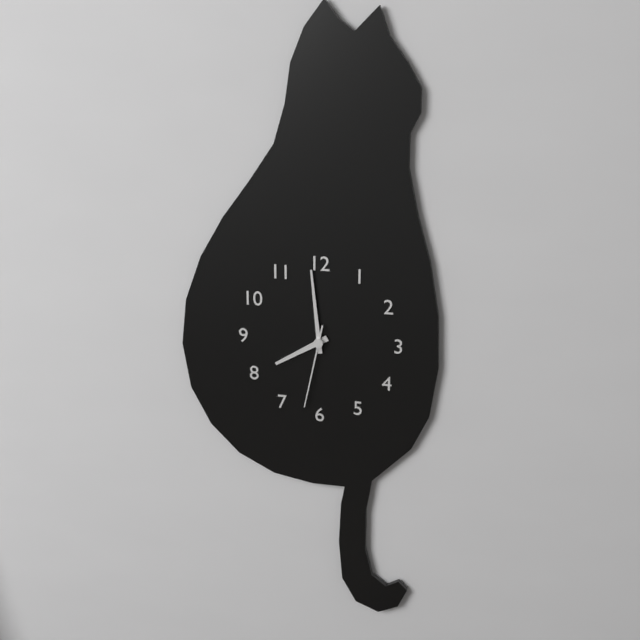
7 h 59 min 32 s
